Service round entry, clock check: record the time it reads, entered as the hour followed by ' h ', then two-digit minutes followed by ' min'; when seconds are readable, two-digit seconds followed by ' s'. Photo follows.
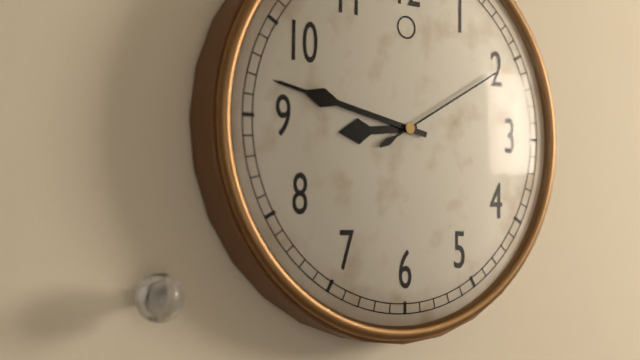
8 h 47 min 10 s
